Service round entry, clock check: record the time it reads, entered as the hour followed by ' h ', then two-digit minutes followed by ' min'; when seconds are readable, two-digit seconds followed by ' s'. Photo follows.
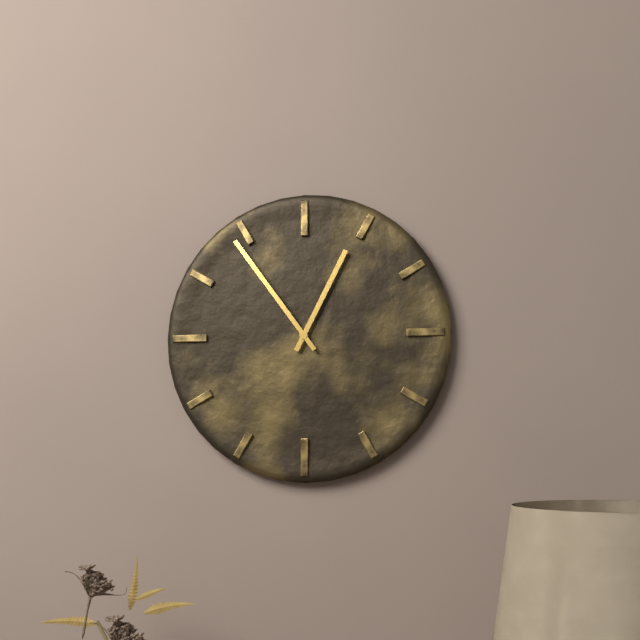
12 h 54 min
